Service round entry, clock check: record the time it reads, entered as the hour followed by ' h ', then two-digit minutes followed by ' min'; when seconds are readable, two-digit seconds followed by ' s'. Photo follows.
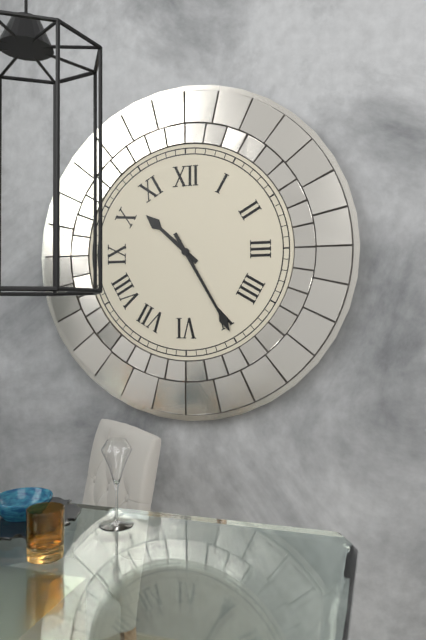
10 h 25 min
